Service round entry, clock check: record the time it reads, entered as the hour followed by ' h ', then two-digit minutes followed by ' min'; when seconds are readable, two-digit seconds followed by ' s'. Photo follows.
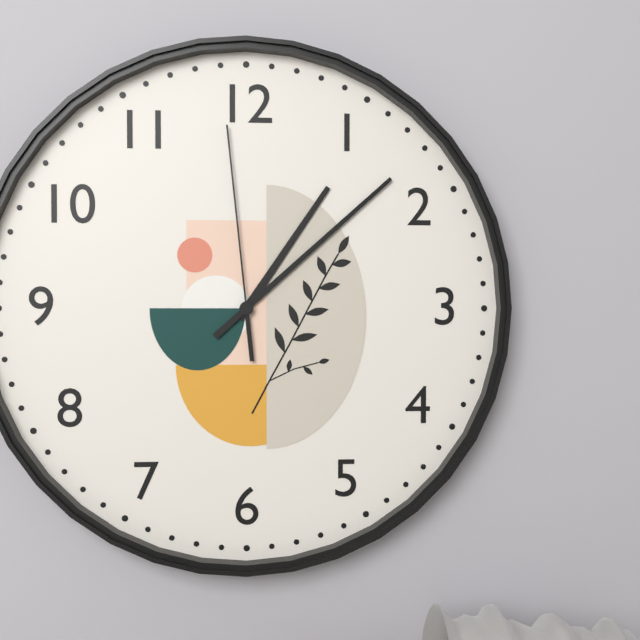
1 h 08 min 59 s
